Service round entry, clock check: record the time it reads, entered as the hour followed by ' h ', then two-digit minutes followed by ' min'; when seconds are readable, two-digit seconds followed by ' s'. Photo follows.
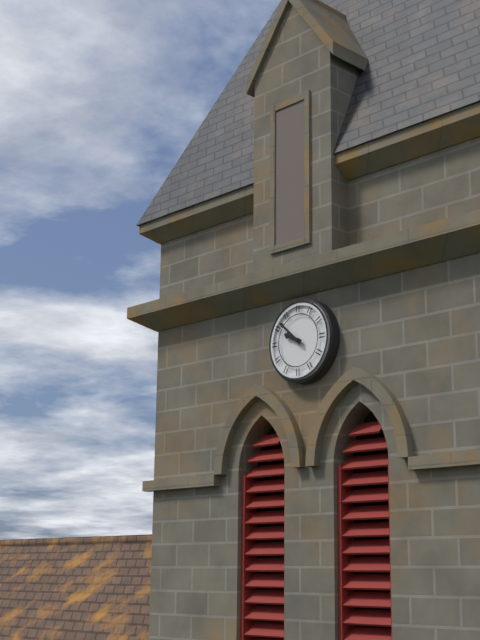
9 h 52 min
